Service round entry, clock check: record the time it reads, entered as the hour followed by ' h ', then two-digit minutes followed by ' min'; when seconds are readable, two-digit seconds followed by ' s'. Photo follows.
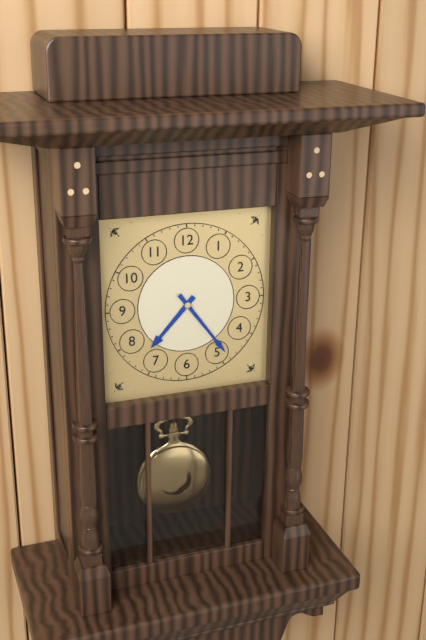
7 h 24 min
